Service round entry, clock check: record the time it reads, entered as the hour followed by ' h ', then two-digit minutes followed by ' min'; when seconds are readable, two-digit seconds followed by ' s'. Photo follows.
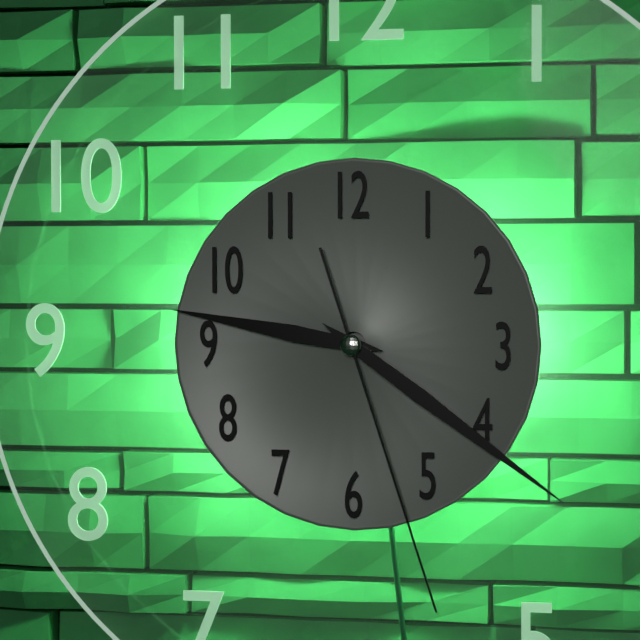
9 h 21 min 27 s
